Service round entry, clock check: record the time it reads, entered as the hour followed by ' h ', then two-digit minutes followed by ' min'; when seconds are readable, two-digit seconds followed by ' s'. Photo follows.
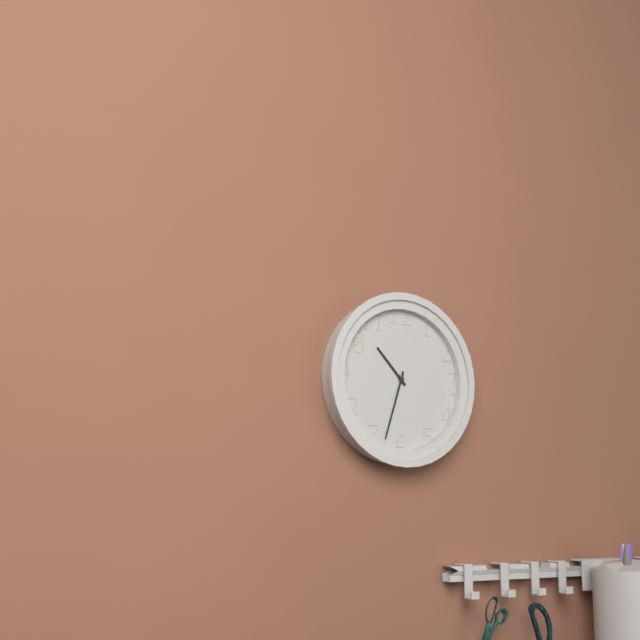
10 h 33 min
